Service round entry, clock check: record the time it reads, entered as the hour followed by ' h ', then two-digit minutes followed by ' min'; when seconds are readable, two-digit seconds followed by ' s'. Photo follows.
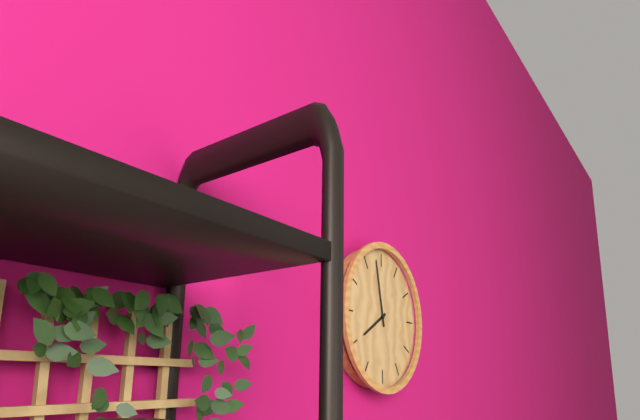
7 h 58 min
